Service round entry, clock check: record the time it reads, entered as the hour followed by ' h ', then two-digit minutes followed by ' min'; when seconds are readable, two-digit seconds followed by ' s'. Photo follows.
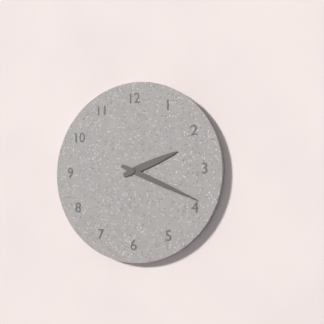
2 h 19 min
